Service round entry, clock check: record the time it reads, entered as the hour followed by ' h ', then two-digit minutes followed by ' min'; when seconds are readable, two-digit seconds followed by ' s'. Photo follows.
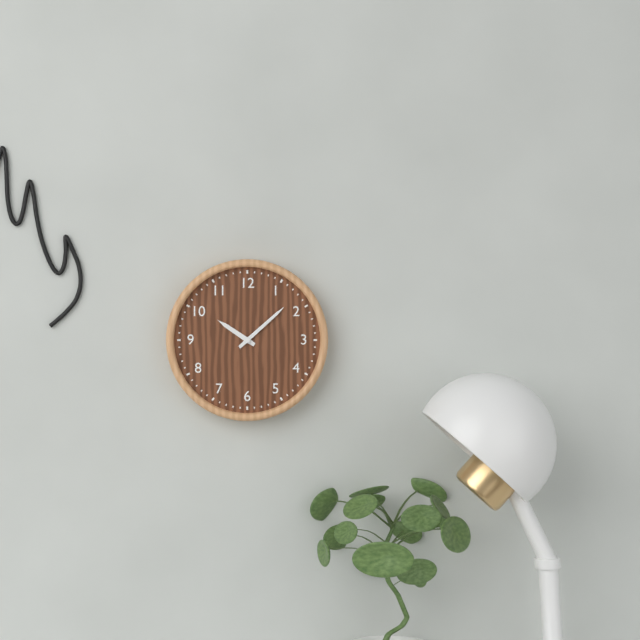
10 h 08 min
